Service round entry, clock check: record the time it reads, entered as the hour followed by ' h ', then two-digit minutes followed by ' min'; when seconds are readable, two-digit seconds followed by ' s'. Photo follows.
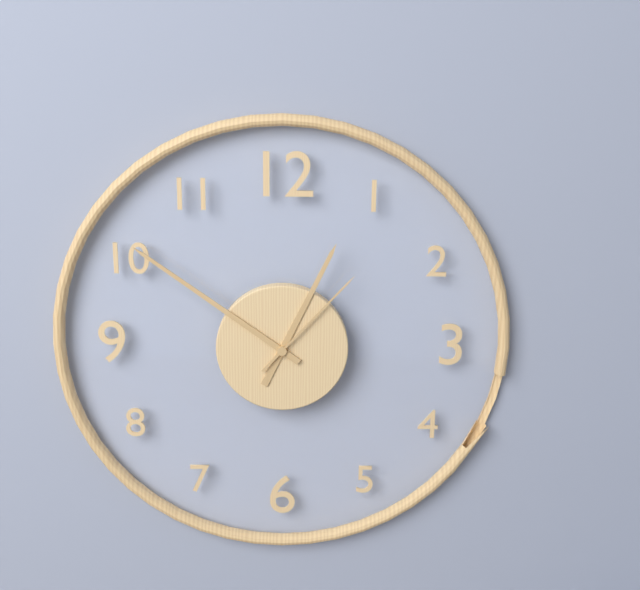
12 h 51 min 07 s
